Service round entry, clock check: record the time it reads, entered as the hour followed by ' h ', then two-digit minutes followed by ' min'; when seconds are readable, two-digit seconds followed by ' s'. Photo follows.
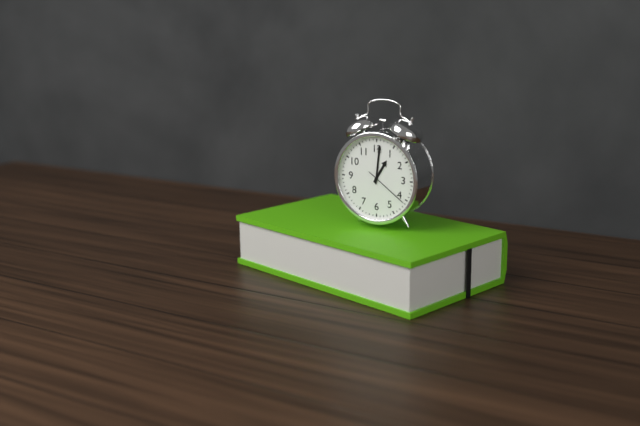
1 h 01 min
